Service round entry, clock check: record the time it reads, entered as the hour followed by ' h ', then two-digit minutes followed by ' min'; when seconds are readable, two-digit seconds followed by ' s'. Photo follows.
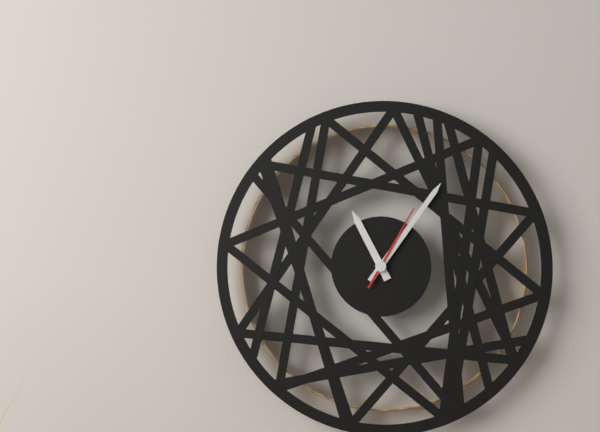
11 h 06 min 05 s
